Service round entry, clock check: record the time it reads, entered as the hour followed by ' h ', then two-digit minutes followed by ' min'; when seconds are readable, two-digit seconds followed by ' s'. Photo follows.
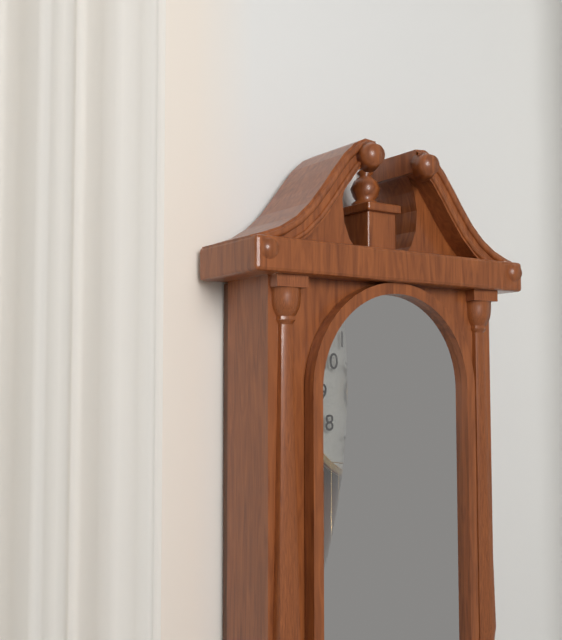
10 h 24 min
